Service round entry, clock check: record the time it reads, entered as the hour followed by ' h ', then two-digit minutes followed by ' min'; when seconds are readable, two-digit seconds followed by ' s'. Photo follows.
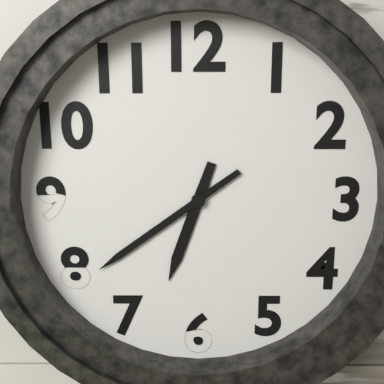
6 h 39 min
